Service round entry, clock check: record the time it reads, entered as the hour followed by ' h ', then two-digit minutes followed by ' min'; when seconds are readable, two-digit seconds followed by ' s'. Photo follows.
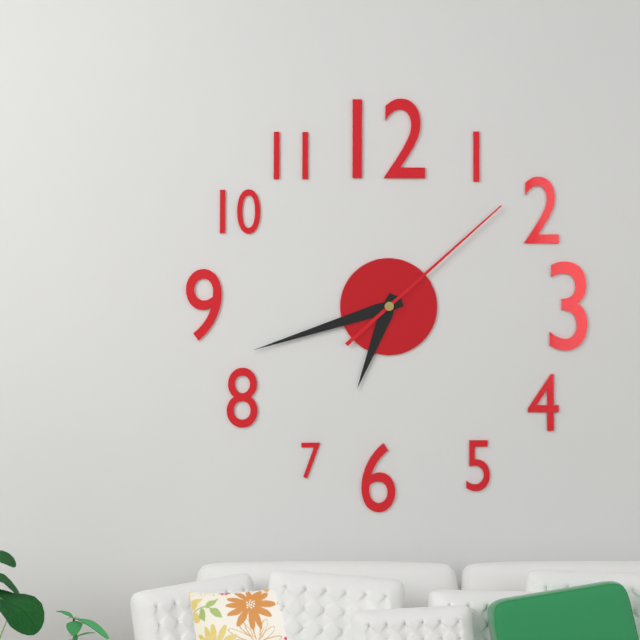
6 h 42 min 08 s
